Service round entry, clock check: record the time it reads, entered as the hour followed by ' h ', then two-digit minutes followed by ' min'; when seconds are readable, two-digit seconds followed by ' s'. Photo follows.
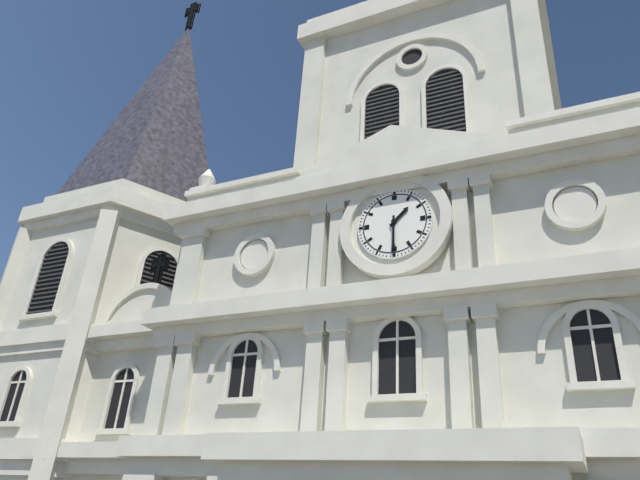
1 h 30 min
